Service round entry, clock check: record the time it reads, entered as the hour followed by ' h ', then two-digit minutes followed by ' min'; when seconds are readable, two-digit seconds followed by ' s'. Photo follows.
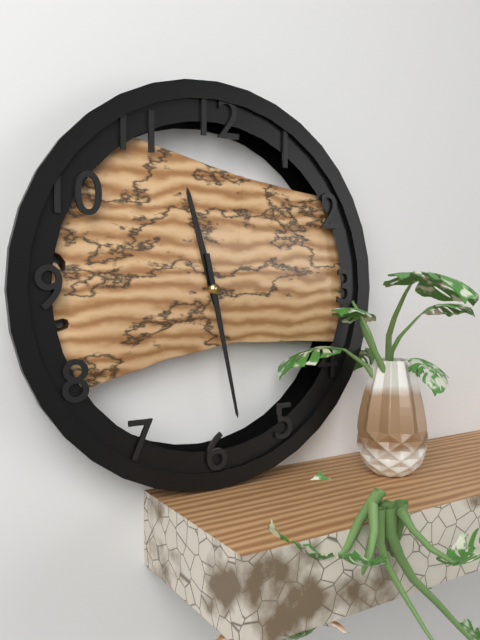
11 h 28 min
